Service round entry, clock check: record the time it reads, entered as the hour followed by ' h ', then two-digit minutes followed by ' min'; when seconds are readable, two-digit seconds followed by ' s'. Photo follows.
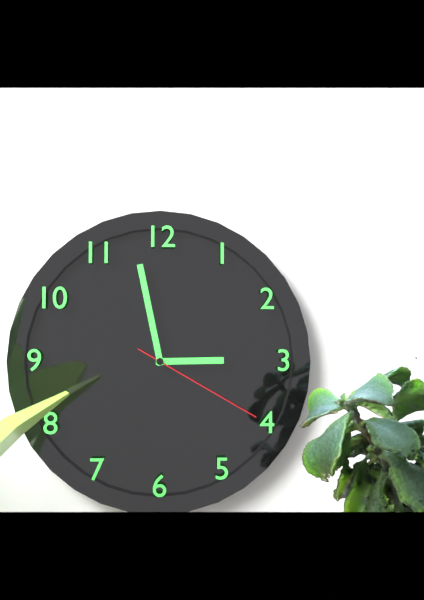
2 h 58 min 20 s
